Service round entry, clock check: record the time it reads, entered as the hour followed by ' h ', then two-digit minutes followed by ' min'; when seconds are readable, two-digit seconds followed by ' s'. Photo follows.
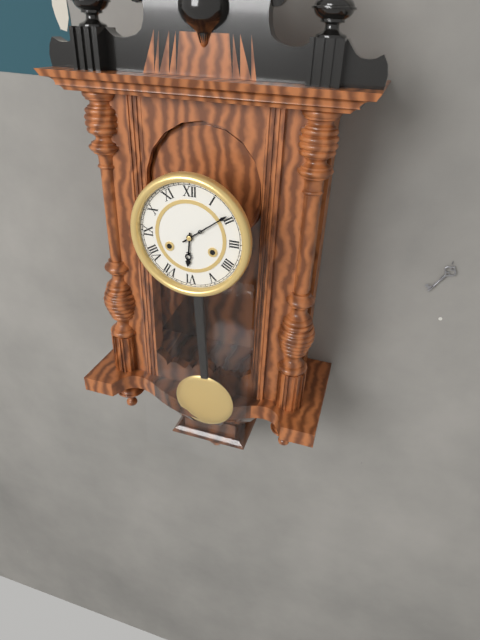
6 h 09 min
